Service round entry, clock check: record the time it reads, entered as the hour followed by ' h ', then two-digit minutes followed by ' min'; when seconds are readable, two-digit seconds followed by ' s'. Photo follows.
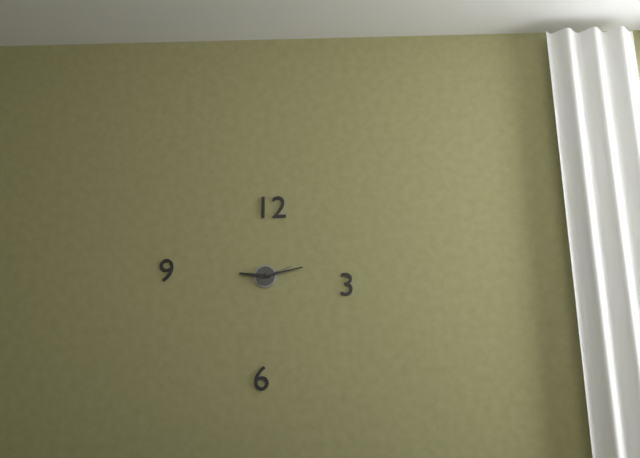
9 h 13 min
